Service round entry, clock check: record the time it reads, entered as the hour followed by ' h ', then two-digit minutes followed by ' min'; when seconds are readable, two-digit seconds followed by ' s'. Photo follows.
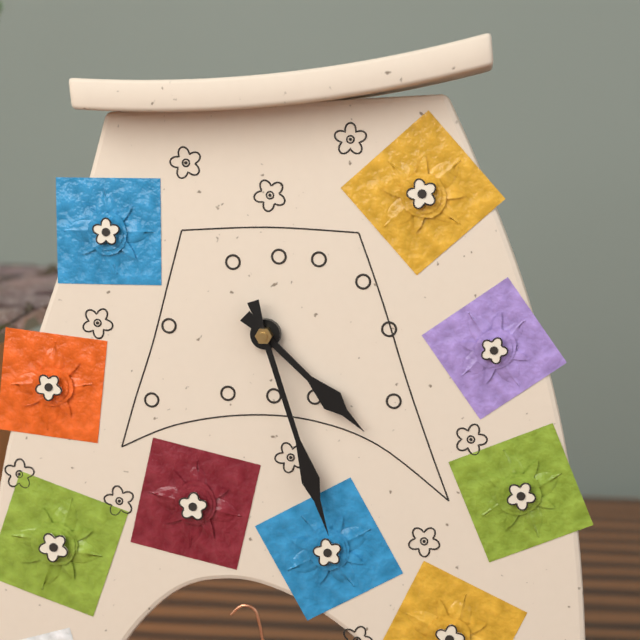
4 h 27 min
